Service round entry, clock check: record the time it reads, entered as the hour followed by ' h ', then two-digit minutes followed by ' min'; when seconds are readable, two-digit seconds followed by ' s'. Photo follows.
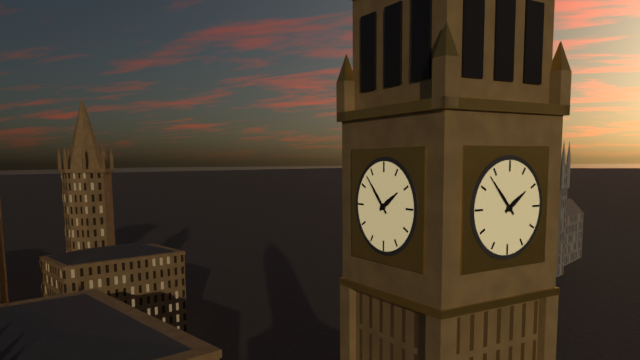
1 h 53 min
